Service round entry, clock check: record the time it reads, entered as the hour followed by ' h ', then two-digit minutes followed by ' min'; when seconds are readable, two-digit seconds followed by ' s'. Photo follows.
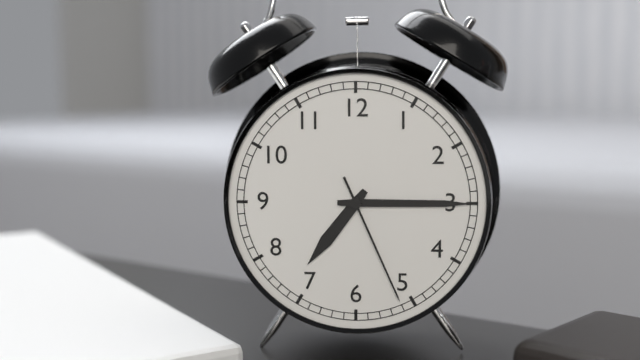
7 h 15 min 26 s
